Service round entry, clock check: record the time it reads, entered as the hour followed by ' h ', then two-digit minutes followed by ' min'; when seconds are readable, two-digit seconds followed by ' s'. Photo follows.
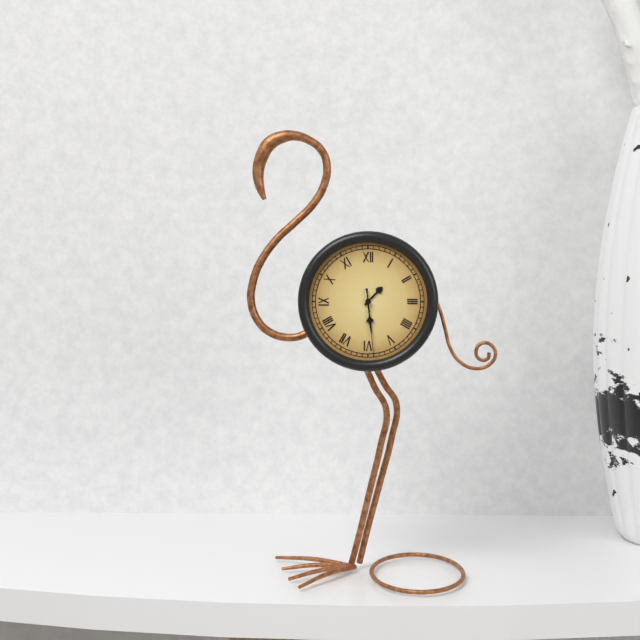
1 h 29 min 29 s
